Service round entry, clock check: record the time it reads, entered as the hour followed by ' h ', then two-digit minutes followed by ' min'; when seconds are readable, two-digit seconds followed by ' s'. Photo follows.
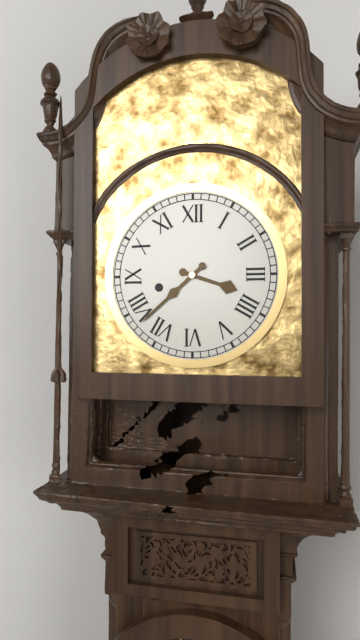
3 h 38 min
